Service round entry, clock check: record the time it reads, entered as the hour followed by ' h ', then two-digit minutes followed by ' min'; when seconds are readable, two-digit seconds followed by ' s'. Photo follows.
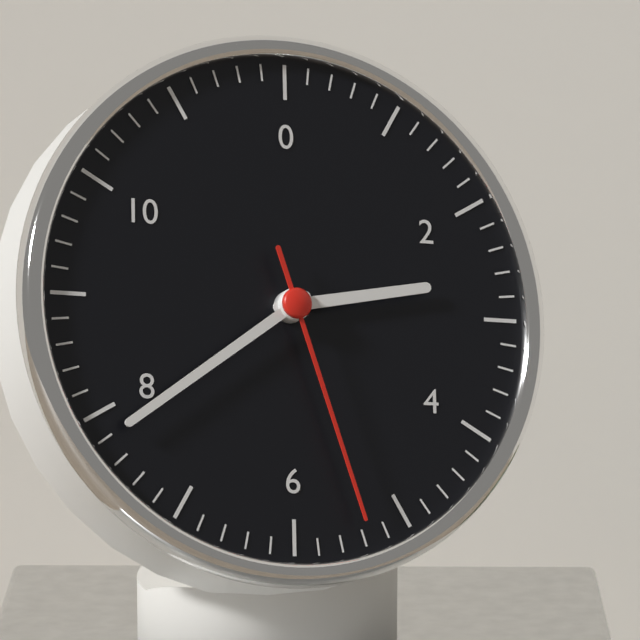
2 h 39 min 27 s
